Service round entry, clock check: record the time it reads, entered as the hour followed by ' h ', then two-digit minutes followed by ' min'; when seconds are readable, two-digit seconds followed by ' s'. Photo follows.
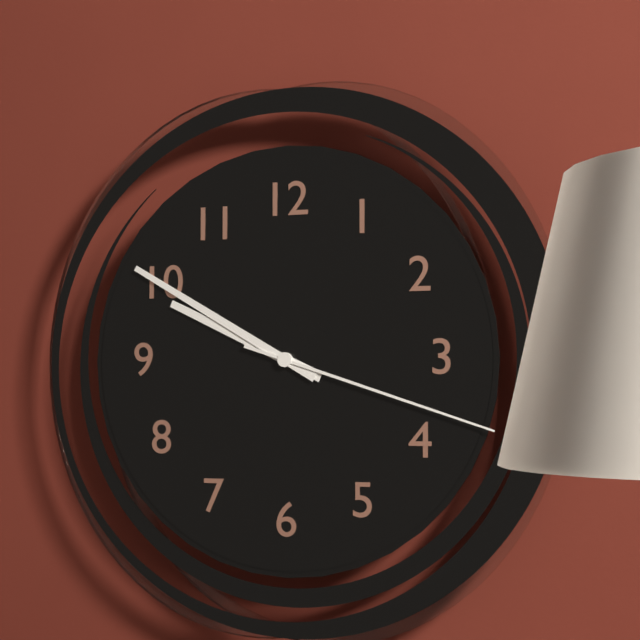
9 h 50 min 18 s
